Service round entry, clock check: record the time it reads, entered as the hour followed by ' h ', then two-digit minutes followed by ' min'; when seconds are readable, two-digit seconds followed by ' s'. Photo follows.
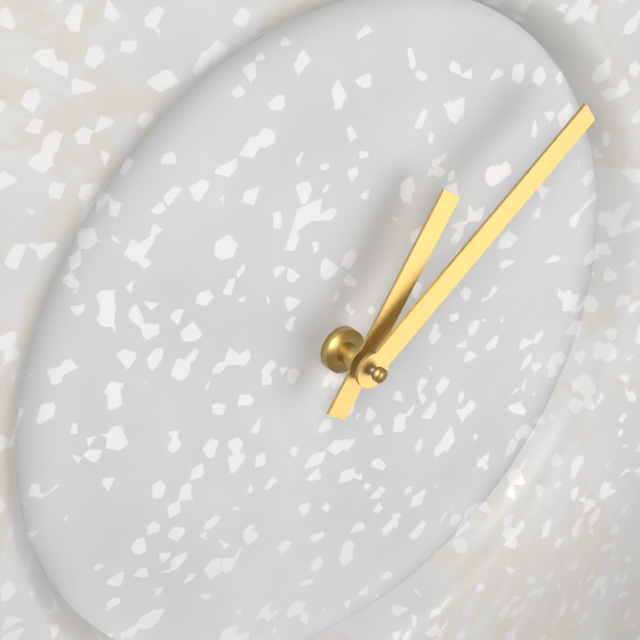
1 h 09 min
